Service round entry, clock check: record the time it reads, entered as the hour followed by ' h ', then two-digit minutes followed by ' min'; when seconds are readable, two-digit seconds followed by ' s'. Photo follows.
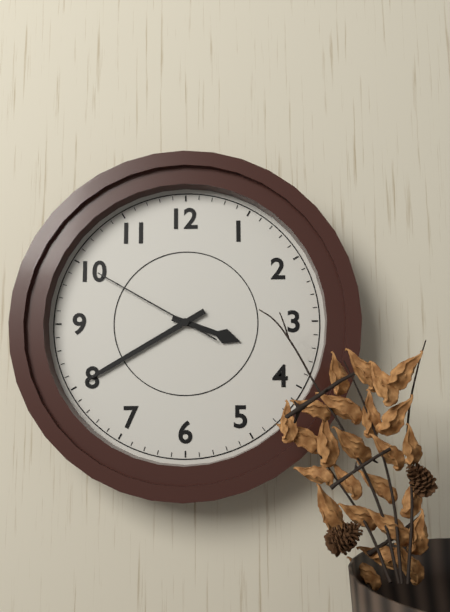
3 h 40 min 50 s
